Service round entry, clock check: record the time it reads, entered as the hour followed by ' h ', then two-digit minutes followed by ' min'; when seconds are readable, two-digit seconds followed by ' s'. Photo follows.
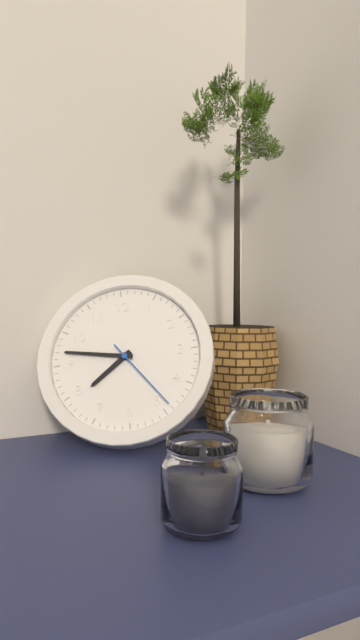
7 h 47 min 24 s
